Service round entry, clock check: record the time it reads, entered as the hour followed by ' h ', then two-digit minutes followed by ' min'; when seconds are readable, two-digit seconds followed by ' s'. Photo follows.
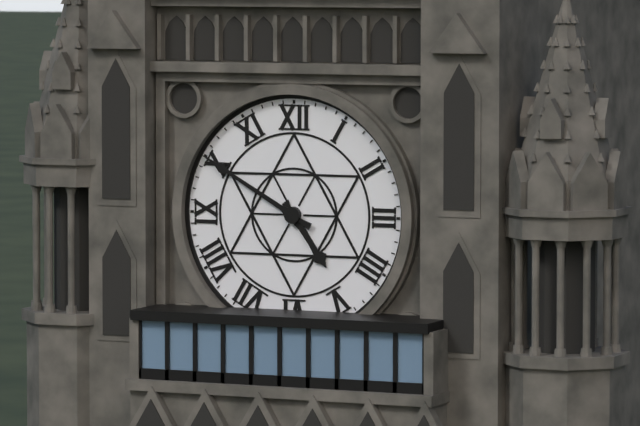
4 h 50 min
